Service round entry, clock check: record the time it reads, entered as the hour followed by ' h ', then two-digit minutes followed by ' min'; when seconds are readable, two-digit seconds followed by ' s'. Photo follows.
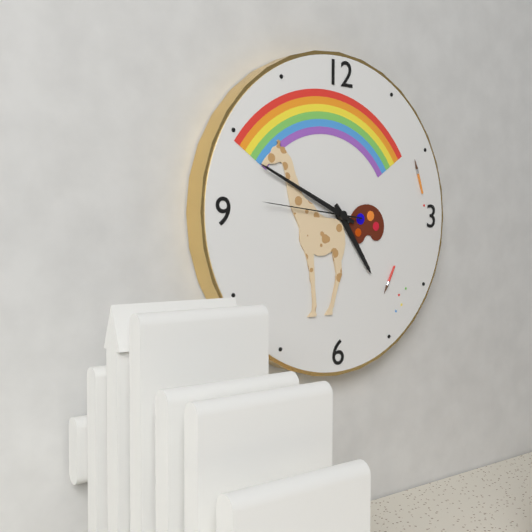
4 h 49 min 46 s
